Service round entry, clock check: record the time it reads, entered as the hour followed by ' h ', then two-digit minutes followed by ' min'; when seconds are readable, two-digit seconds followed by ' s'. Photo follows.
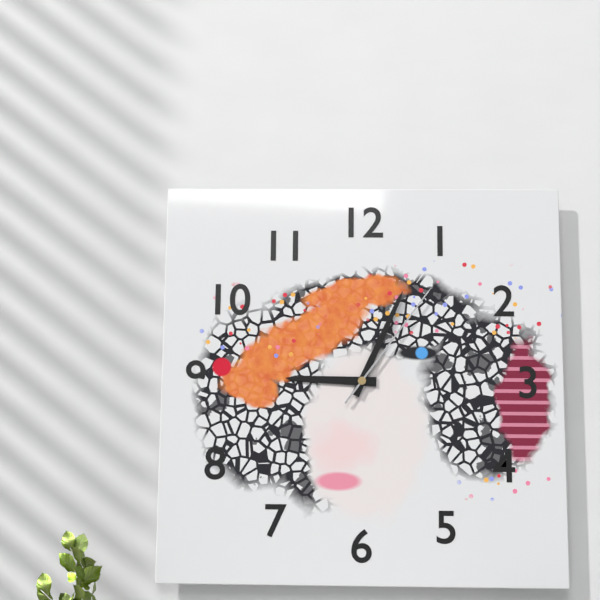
9 h 04 min 06 s
